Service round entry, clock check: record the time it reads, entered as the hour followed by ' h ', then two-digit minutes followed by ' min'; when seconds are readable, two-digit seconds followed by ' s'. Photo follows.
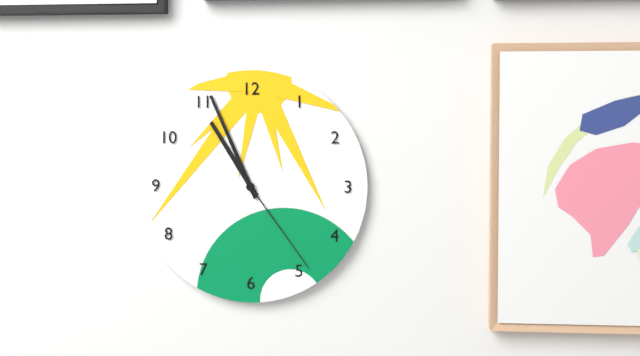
10 h 56 min 24 s
